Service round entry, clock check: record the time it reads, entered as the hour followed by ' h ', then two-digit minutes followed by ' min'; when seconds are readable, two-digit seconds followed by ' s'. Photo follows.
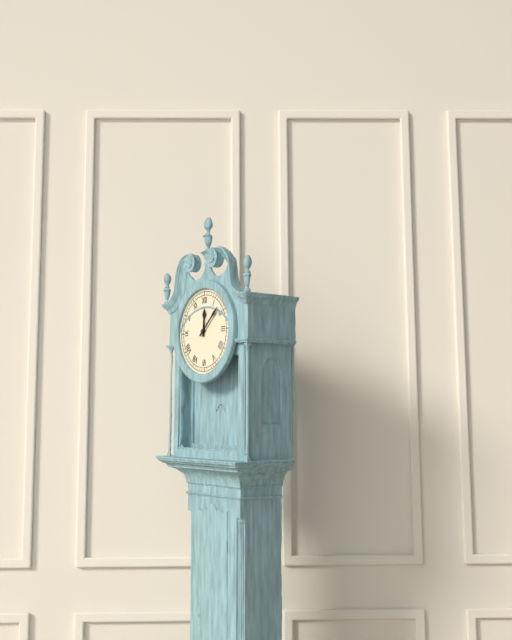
12 h 08 min
